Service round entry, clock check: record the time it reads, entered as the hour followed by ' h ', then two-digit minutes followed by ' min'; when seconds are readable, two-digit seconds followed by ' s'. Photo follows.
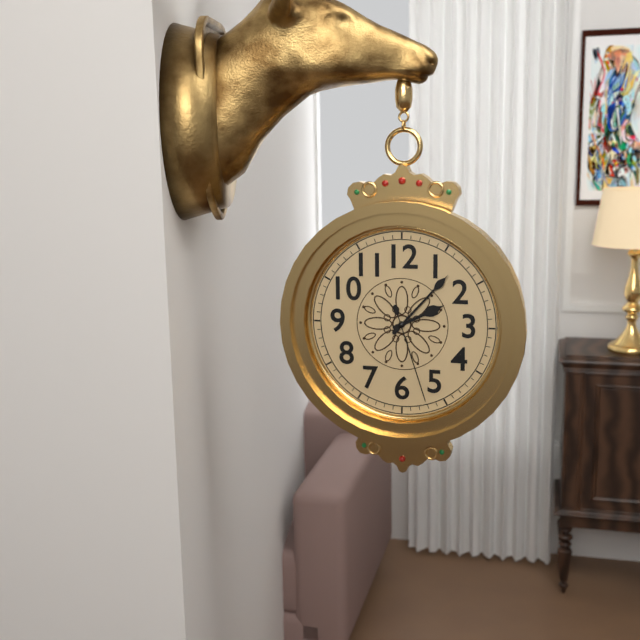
2 h 07 min 27 s
